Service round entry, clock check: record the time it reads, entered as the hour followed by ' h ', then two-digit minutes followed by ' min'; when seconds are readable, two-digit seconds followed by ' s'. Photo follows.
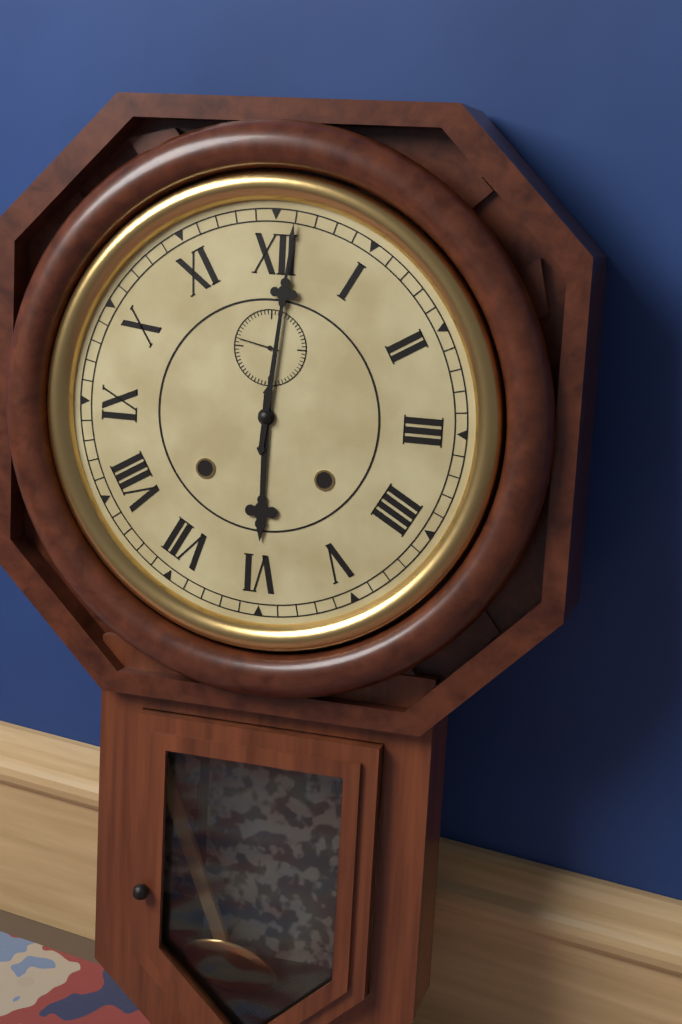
6 h 01 min
